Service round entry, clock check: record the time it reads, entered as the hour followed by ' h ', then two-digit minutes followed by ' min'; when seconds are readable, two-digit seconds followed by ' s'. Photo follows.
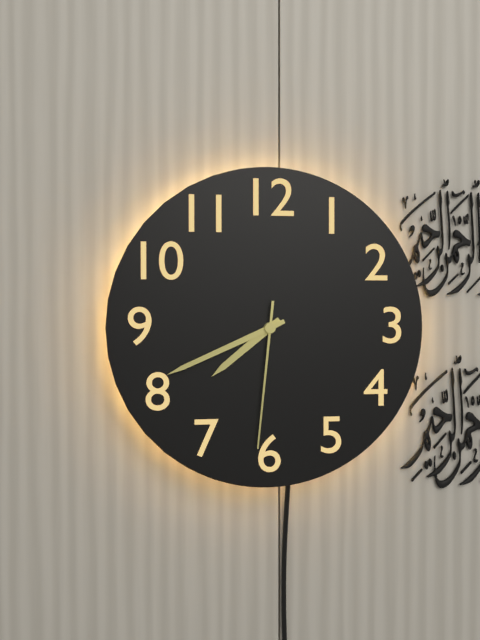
7 h 41 min 31 s
